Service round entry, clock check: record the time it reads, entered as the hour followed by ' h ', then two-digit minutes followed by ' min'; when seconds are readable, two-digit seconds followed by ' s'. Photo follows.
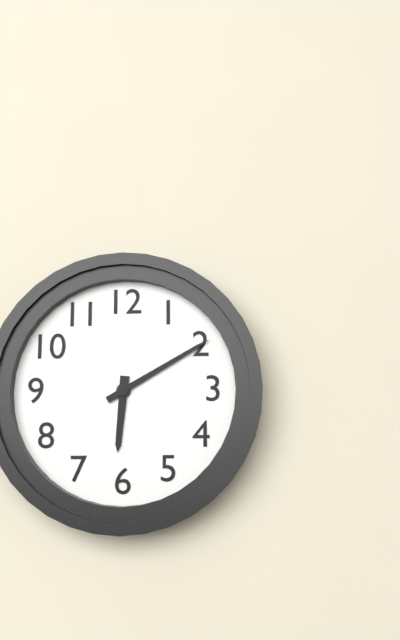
6 h 10 min
